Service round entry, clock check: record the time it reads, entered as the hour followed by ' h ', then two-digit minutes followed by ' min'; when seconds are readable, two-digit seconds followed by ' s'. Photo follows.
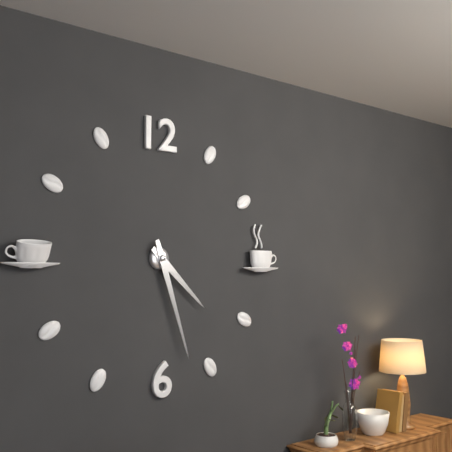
4 h 27 min
